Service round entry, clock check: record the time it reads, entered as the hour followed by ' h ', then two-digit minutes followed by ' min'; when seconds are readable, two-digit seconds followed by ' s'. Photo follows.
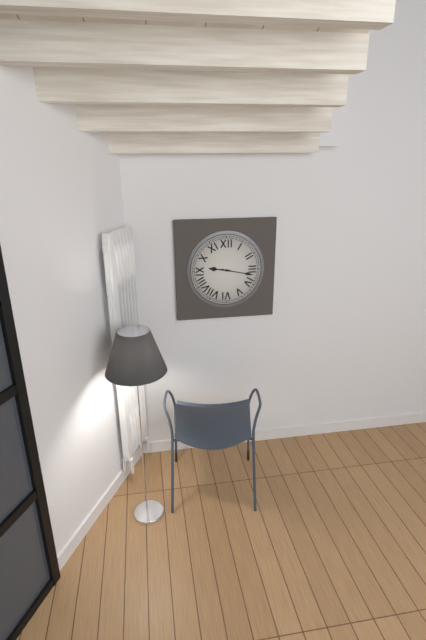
9 h 17 min
